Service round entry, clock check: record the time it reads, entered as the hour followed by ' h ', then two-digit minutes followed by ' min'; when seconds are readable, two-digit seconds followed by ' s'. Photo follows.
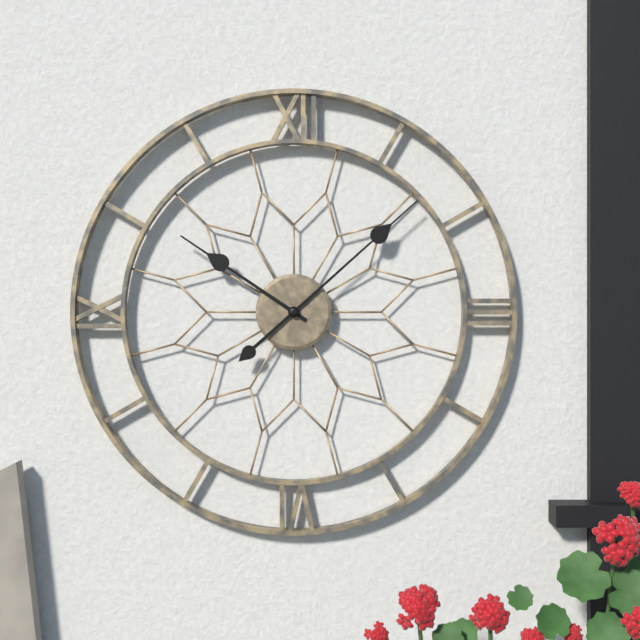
10 h 08 min
